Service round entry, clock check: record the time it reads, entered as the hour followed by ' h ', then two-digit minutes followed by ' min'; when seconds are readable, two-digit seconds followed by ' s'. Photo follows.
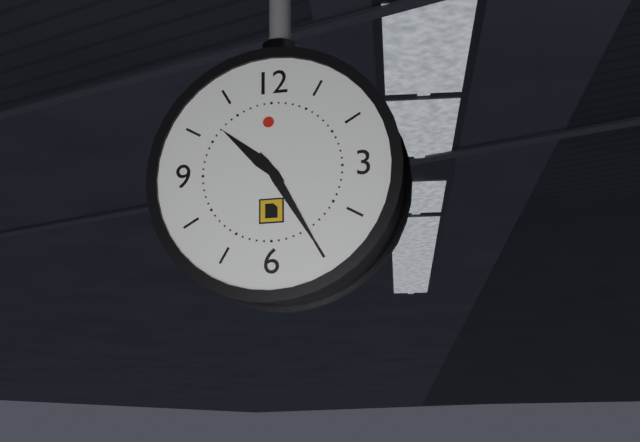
10 h 25 min
